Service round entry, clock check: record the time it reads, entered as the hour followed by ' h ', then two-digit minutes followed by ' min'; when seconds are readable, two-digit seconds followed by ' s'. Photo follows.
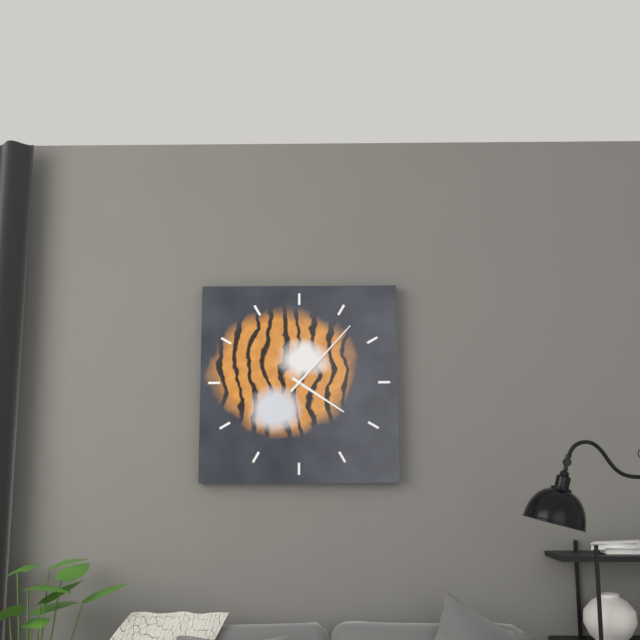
4 h 07 min
